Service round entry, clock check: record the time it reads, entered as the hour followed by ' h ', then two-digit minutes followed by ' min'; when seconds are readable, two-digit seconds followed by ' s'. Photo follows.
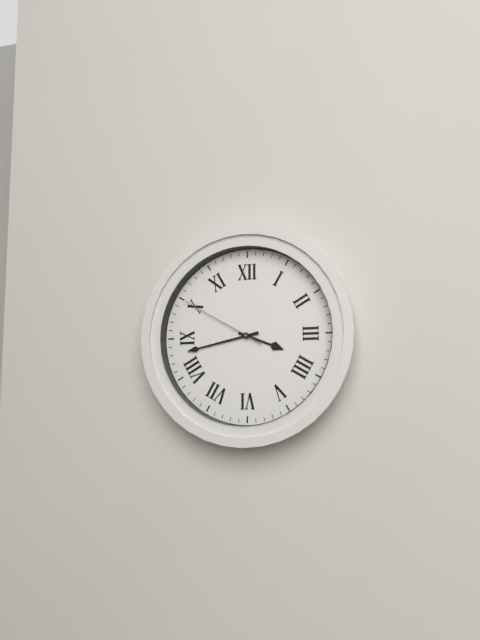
3 h 43 min 50 s
